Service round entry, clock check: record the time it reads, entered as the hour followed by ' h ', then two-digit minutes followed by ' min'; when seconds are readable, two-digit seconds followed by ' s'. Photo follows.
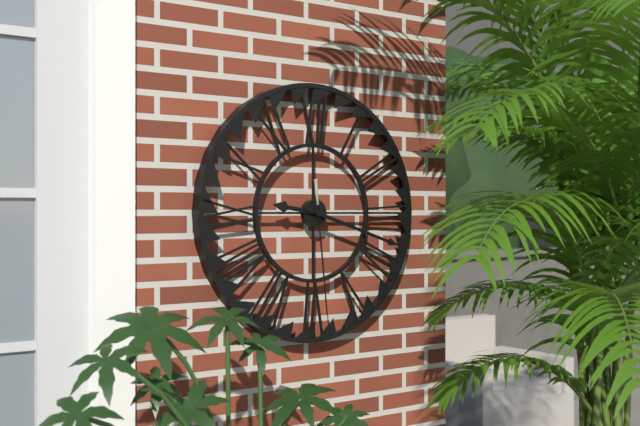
9 h 18 min 29 s
